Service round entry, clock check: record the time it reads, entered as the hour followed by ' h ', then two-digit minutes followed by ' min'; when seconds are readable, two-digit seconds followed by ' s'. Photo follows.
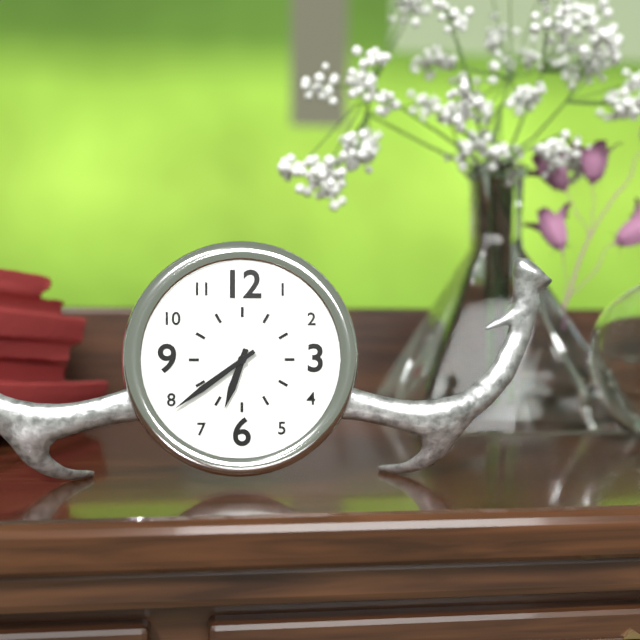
6 h 39 min
